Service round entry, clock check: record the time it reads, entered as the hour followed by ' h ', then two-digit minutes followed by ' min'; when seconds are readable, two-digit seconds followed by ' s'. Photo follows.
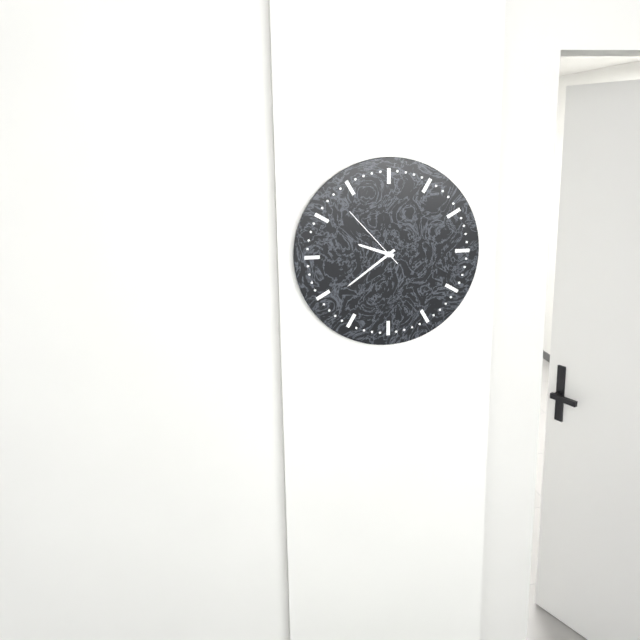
9 h 39 min 53 s
